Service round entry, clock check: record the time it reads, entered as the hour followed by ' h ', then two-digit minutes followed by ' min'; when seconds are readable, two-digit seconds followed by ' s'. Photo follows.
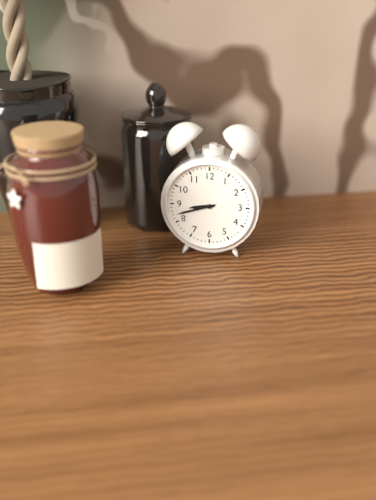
8 h 42 min
